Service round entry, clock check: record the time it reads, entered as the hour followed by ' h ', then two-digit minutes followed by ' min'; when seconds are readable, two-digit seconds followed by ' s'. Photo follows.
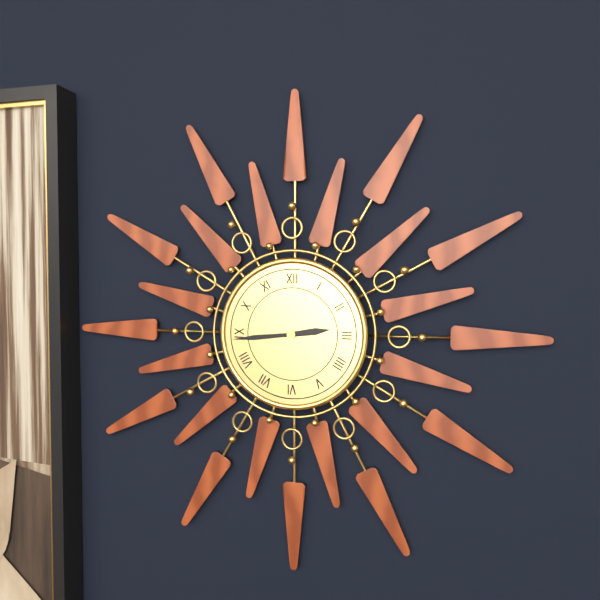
2 h 44 min
